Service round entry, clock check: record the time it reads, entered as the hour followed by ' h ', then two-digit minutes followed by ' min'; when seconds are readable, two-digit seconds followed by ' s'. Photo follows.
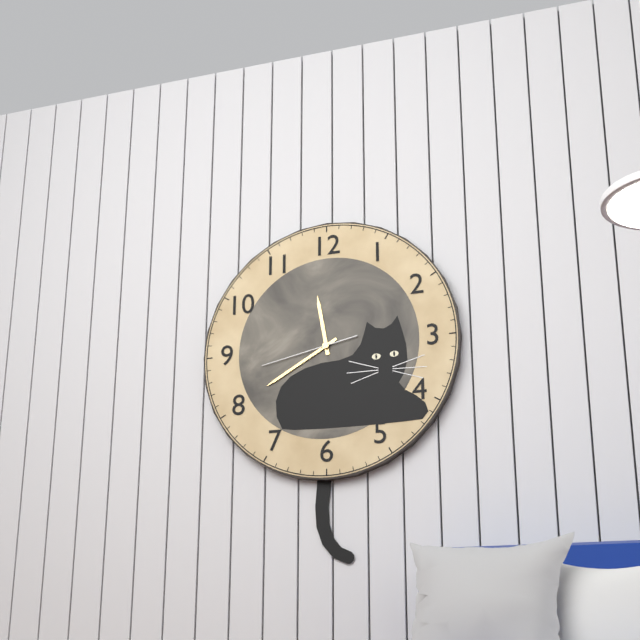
11 h 40 min 43 s
